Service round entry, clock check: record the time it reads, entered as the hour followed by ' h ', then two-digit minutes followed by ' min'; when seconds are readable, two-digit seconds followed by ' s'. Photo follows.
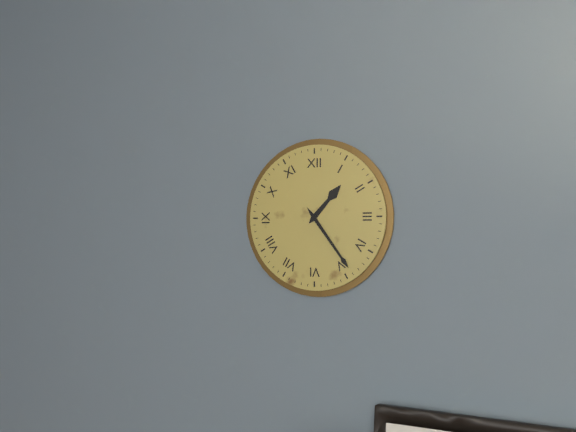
1 h 24 min
